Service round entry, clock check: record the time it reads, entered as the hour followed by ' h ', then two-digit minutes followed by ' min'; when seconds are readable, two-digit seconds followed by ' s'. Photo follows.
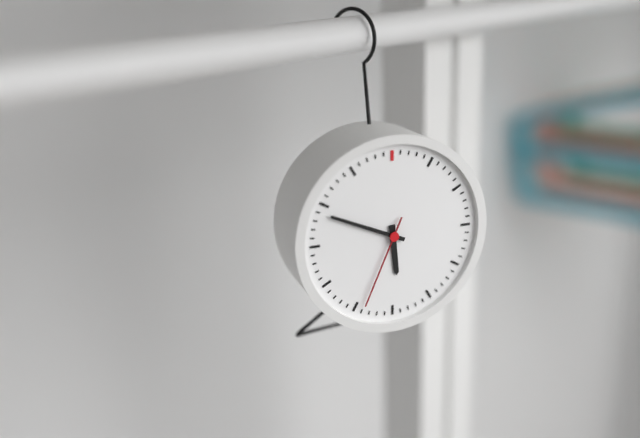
5 h 49 min 34 s
